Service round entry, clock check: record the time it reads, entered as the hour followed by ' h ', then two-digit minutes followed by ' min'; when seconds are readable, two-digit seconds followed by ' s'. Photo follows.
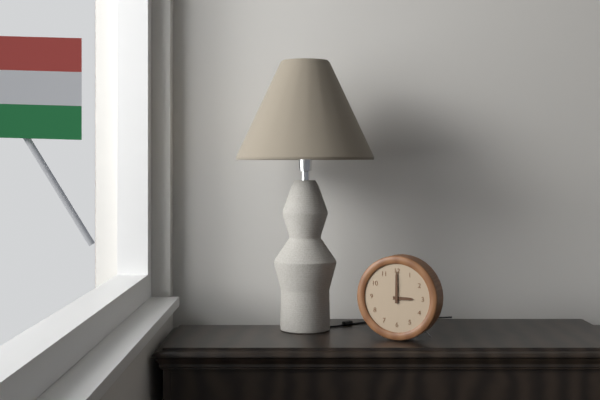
3 h 00 min
